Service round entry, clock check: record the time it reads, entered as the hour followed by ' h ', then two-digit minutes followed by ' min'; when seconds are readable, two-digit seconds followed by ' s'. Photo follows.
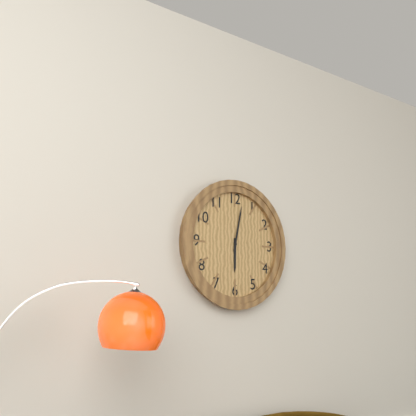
6 h 02 min
